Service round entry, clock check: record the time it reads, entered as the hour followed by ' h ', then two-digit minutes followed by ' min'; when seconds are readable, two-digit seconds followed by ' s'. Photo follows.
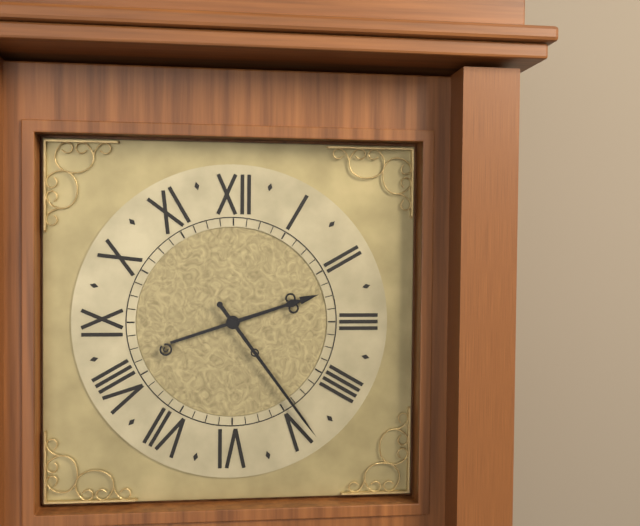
2 h 24 min
